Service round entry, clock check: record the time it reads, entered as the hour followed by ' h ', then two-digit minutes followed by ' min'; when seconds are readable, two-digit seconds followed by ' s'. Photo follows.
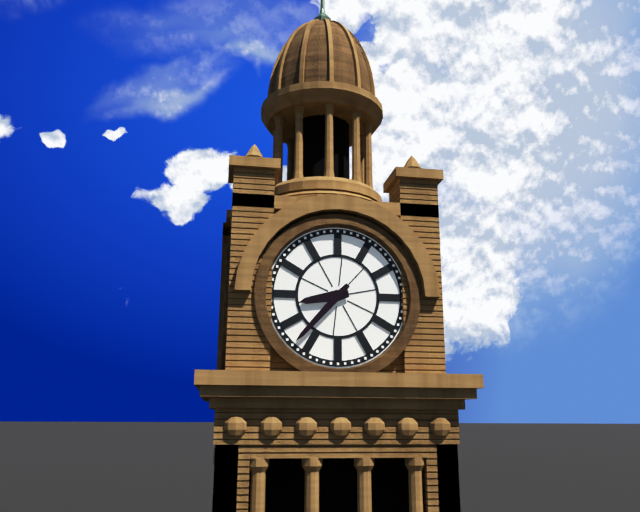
8 h 37 min
